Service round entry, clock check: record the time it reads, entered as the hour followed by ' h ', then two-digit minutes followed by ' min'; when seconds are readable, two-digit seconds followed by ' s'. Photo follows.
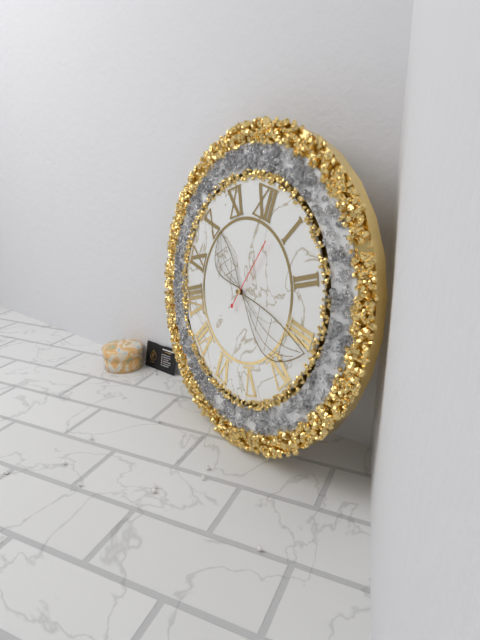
10 h 16 min 03 s
